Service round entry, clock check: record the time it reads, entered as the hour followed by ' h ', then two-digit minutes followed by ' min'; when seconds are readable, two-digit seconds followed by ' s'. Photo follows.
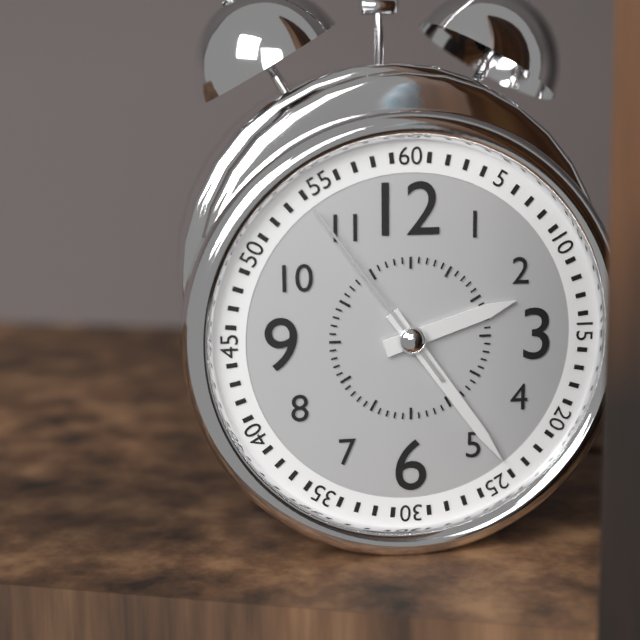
2 h 24 min 54 s
